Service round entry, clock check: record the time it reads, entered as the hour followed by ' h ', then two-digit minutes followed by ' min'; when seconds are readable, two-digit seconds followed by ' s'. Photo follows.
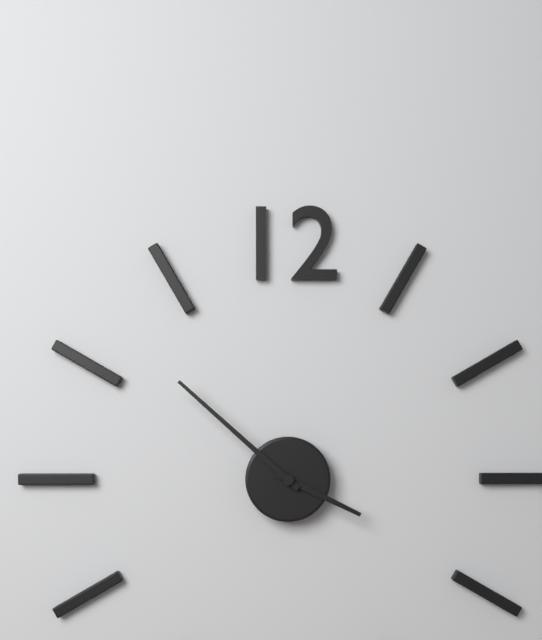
3 h 52 min
